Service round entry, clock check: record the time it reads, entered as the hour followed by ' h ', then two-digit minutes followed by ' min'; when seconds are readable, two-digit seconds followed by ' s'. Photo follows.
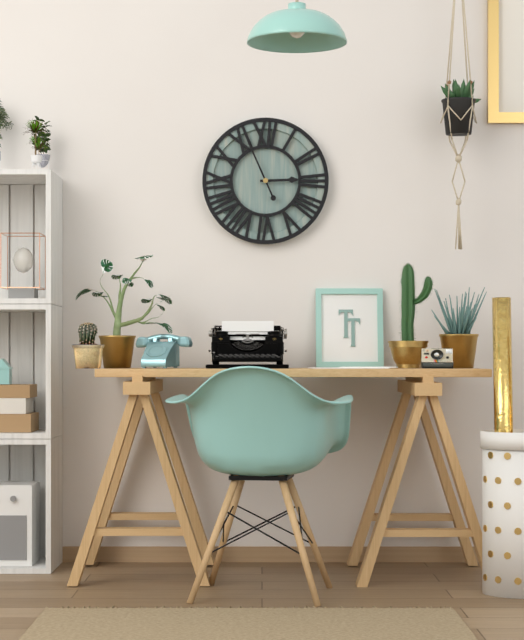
2 h 56 min
